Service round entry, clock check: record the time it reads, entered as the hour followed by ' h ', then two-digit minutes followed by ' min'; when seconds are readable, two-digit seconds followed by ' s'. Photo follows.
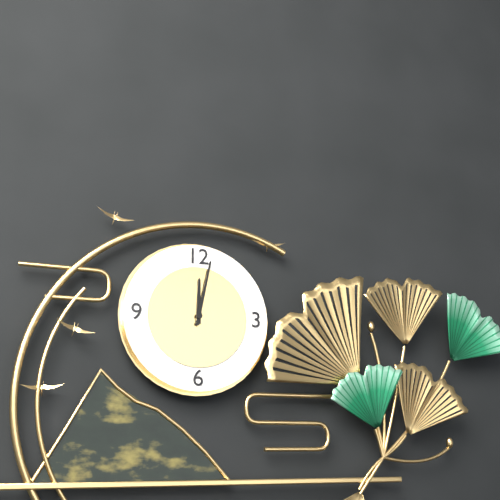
12 h 02 min
